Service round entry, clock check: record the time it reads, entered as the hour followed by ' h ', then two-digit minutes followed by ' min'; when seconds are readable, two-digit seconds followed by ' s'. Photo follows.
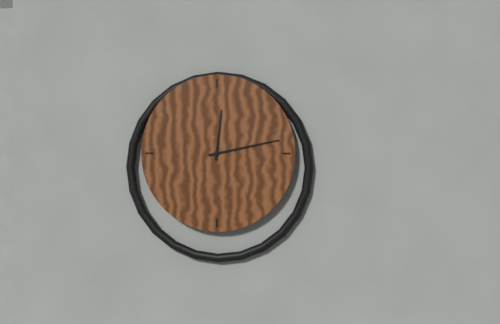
12 h 13 min
